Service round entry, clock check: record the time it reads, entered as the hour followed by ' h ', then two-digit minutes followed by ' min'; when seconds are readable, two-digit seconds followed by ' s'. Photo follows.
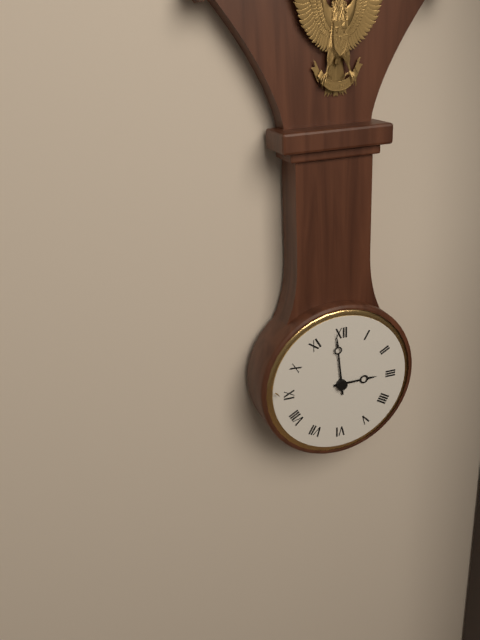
2 h 59 min
